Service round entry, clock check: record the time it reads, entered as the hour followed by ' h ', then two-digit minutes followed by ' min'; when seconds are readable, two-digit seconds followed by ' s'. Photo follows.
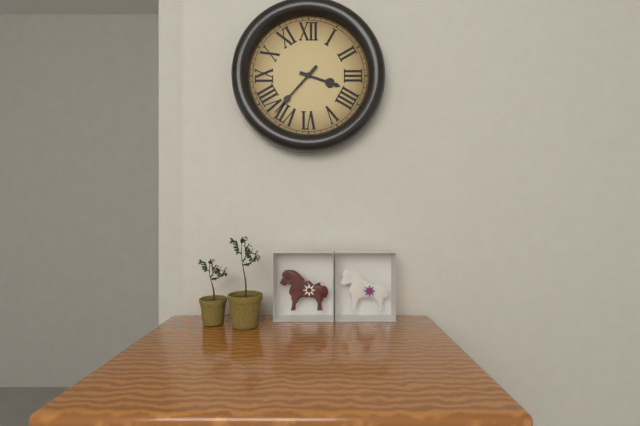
3 h 37 min
